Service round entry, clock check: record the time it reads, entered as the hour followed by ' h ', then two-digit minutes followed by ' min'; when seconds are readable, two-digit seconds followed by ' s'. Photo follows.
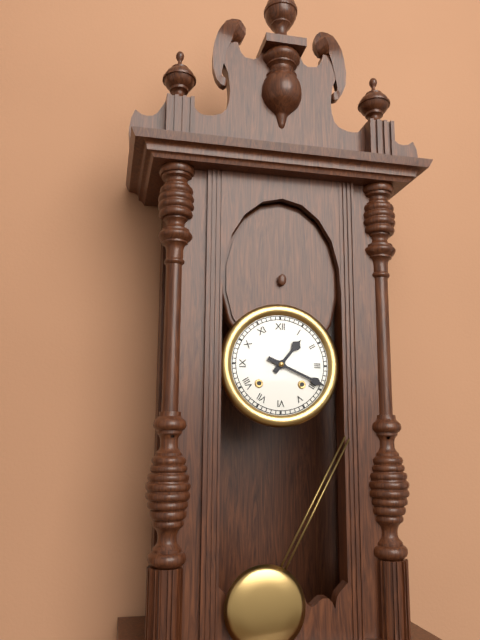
1 h 19 min
